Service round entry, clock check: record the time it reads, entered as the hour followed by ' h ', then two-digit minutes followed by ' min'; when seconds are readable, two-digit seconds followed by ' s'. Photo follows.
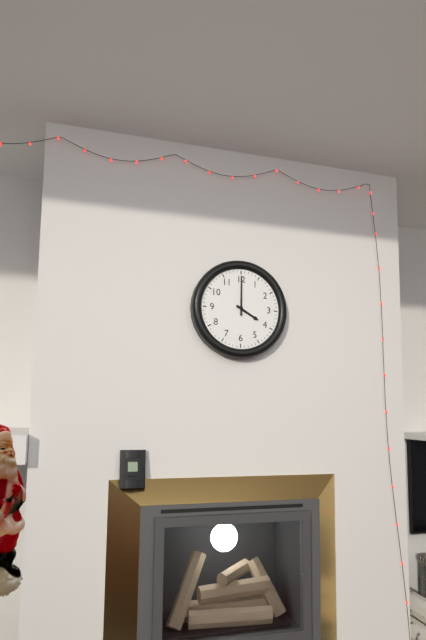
4 h 00 min
